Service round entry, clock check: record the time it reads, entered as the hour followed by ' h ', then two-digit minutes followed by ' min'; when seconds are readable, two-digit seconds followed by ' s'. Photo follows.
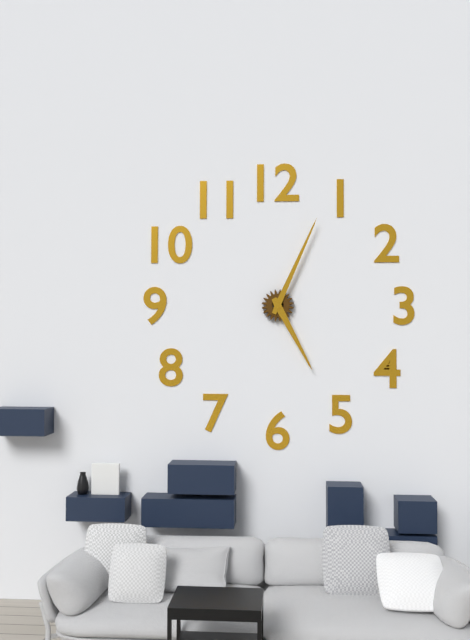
5 h 04 min
